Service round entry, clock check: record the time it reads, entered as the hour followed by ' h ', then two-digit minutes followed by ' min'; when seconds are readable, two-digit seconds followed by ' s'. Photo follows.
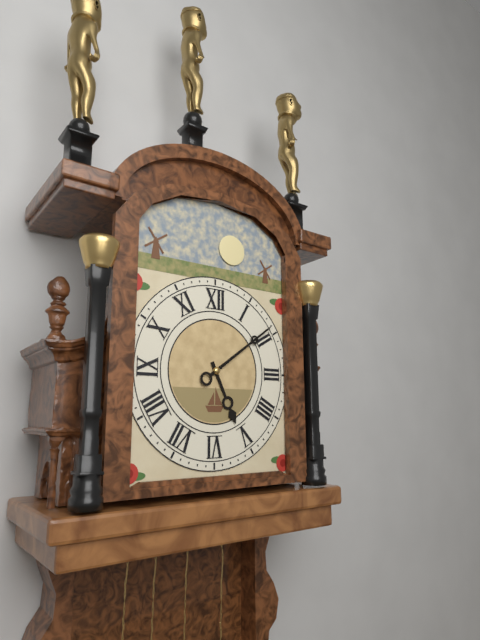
5 h 09 min
